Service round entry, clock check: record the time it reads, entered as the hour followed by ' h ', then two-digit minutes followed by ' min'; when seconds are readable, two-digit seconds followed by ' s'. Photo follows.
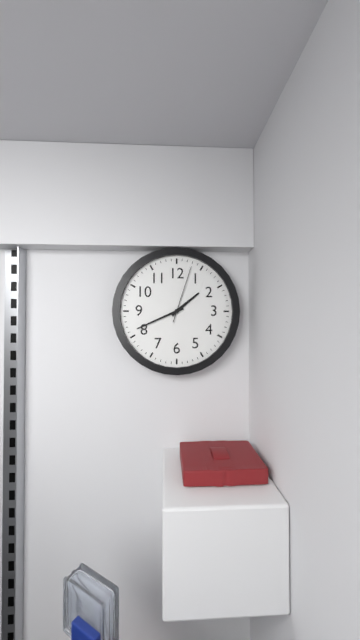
1 h 41 min 03 s
